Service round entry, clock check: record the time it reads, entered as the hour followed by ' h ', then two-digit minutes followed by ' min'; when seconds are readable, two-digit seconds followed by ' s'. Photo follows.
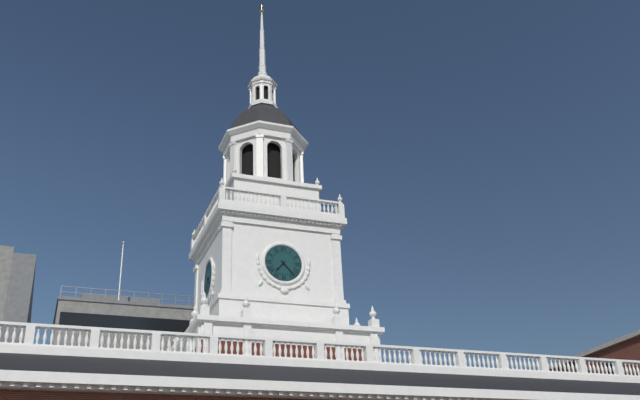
7 h 23 min
